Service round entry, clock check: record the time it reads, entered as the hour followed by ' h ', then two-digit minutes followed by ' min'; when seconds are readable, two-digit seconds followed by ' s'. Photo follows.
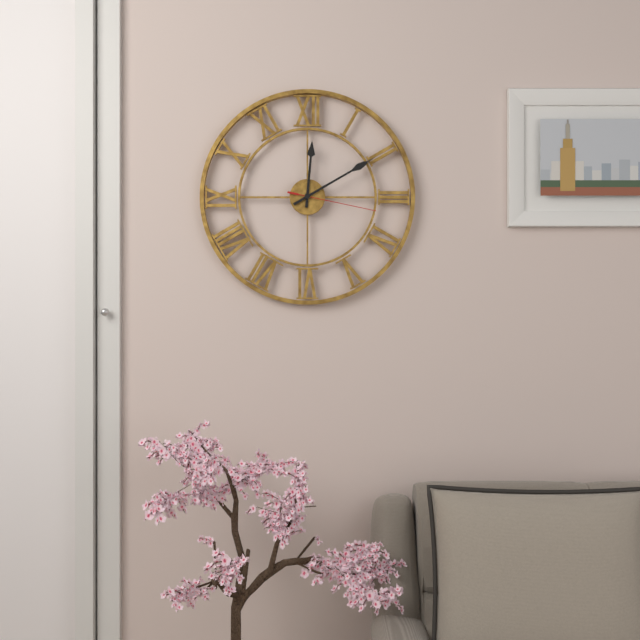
12 h 10 min 17 s
